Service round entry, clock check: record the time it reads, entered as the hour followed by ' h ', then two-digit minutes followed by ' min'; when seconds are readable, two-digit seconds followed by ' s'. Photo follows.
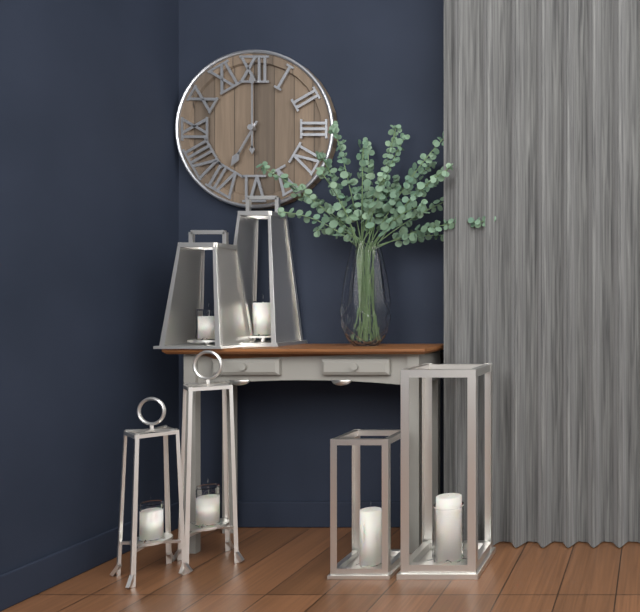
7 h 00 min
